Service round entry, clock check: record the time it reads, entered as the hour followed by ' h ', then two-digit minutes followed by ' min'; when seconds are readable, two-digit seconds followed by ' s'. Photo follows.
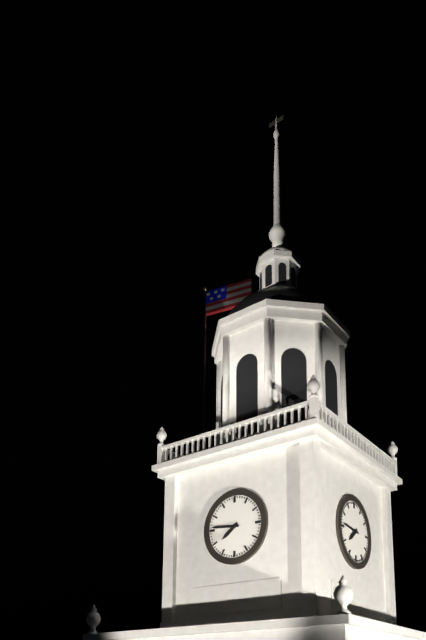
7 h 46 min
